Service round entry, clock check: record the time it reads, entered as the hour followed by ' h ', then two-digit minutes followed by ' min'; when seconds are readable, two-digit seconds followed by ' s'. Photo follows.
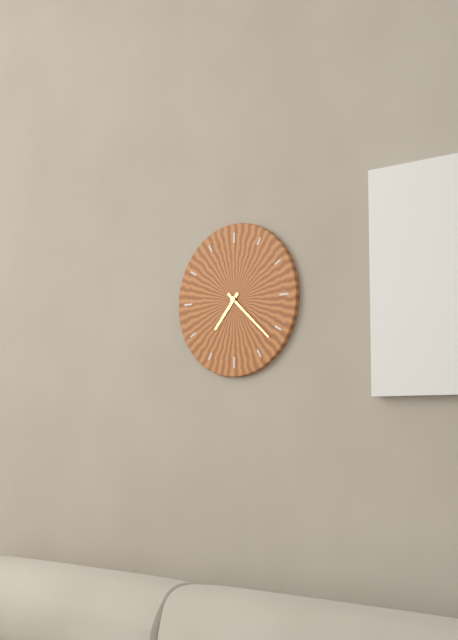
7 h 22 min
